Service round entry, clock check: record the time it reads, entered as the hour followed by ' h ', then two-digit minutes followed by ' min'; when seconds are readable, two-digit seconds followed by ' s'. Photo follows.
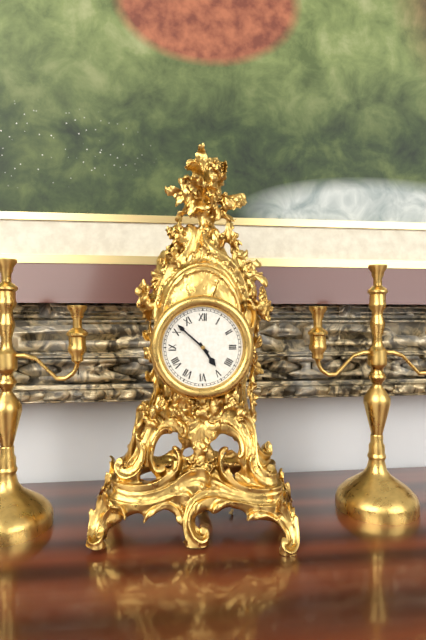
4 h 52 min
